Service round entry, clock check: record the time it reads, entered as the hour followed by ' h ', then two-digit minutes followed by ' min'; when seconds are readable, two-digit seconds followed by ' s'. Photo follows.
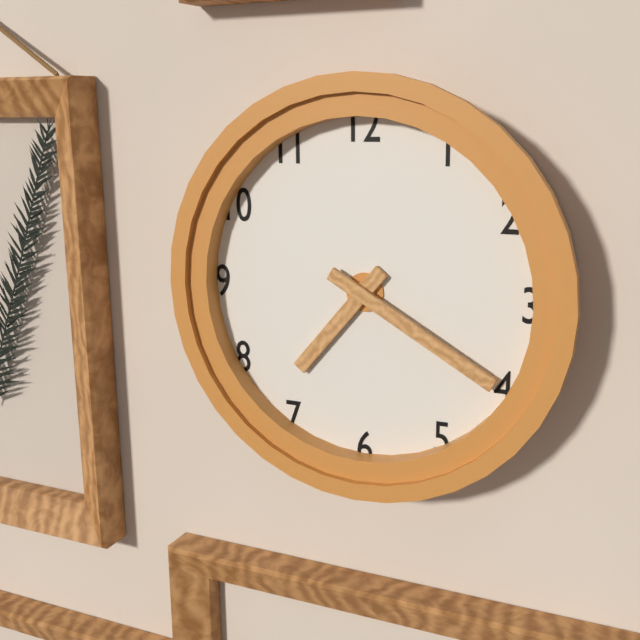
7 h 20 min
